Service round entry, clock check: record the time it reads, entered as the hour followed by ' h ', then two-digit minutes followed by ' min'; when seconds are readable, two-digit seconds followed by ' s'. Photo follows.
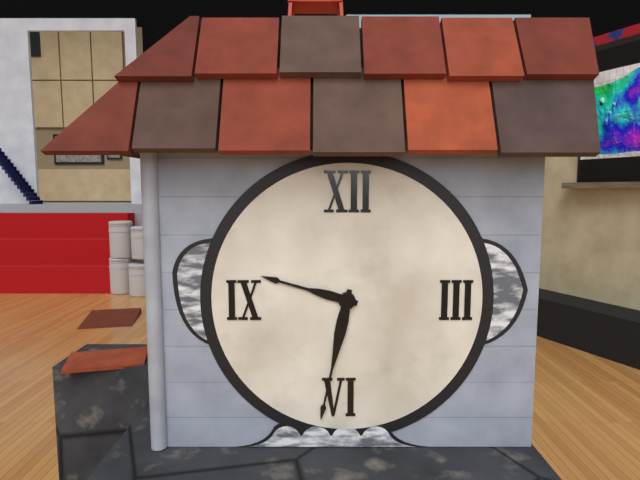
9 h 32 min
